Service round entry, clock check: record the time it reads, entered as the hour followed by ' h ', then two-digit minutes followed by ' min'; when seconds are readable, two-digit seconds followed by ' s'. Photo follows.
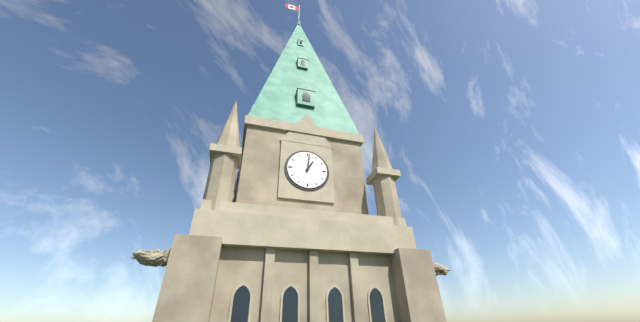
1 h 01 min
